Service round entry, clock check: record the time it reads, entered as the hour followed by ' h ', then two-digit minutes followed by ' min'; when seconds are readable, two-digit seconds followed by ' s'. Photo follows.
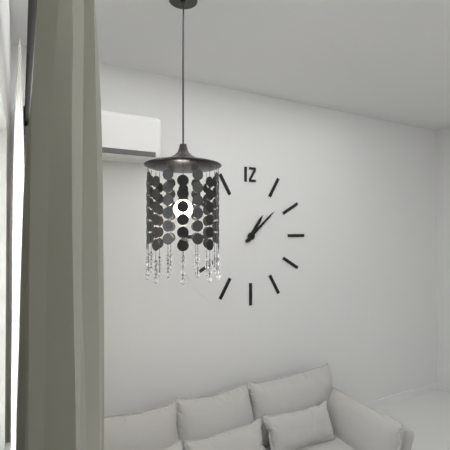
1 h 08 min
